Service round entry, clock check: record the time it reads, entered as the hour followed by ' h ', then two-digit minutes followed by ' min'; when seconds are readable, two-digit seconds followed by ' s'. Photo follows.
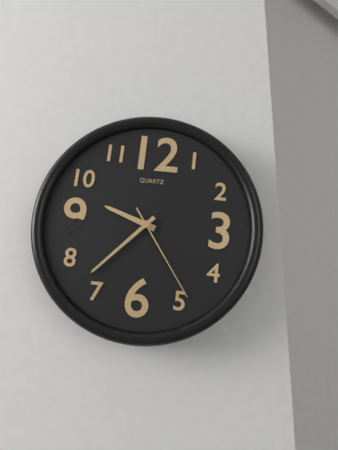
9 h 37 min 24 s
